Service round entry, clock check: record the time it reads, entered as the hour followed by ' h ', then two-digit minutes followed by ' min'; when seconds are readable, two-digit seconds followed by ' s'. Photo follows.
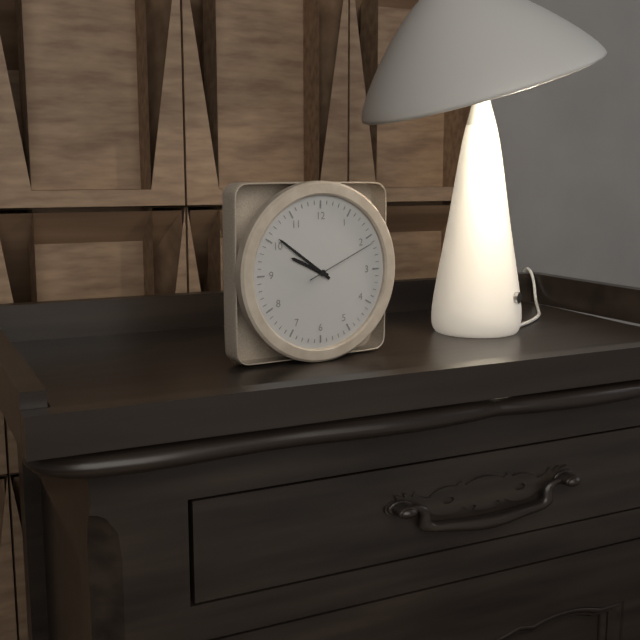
9 h 51 min 11 s
